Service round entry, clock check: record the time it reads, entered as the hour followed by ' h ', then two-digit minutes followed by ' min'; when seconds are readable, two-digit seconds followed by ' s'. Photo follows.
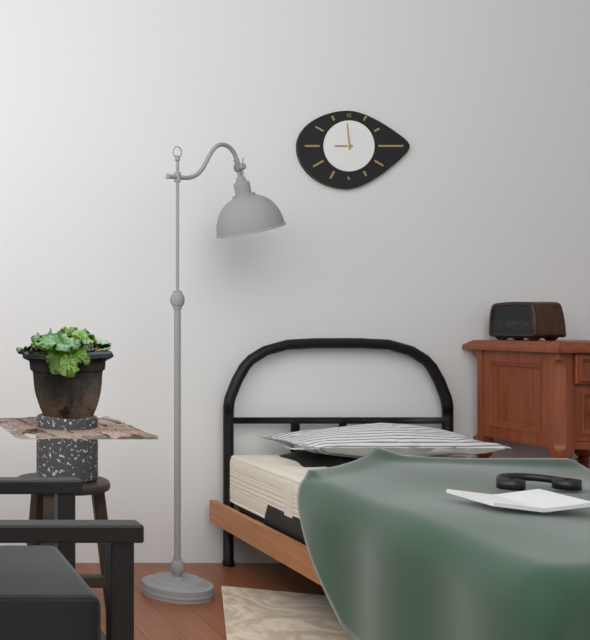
8 h 59 min
